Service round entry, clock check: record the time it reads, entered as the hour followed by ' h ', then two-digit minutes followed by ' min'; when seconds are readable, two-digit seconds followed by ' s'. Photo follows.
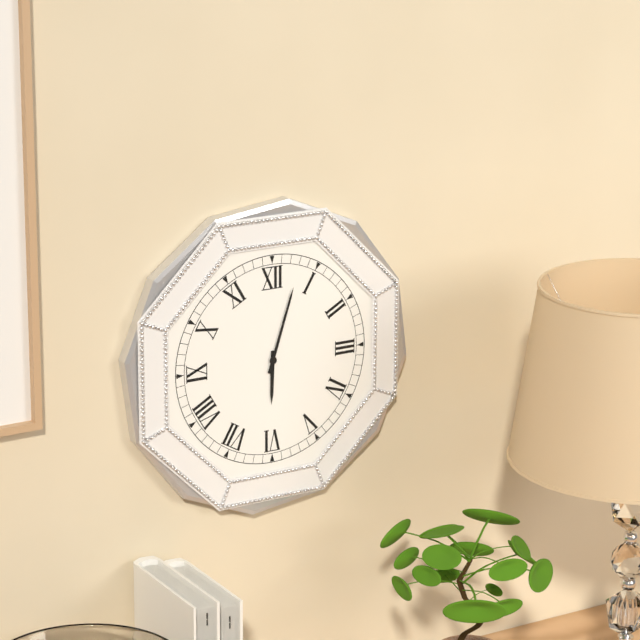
6 h 03 min
